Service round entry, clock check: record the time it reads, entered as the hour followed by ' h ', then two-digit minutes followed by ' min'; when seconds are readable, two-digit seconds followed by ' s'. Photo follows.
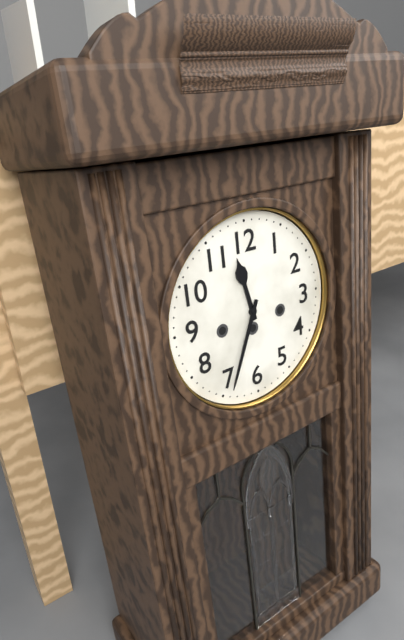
11 h 34 min
